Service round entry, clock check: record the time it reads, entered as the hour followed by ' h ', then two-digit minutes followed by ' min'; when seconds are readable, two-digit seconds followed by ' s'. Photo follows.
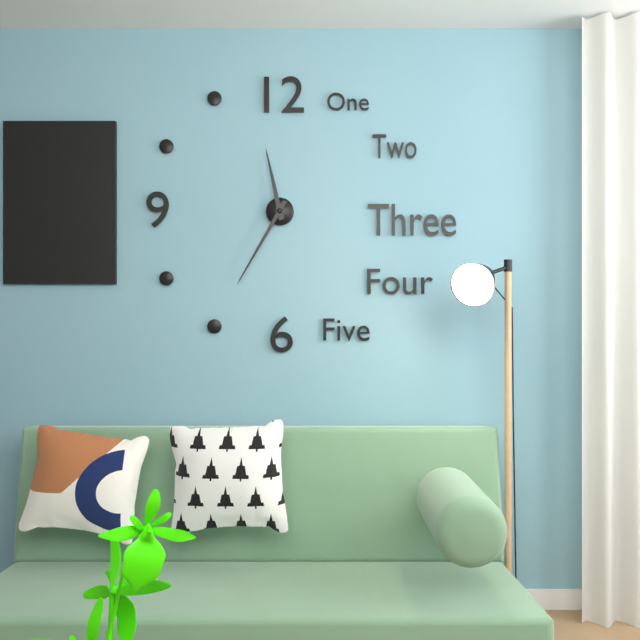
11 h 35 min
